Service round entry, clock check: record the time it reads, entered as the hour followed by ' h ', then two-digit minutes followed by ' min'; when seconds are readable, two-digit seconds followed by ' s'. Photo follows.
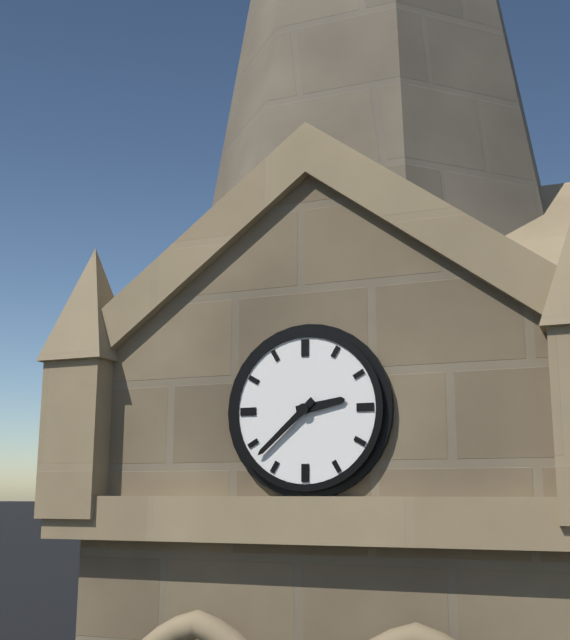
2 h 38 min
